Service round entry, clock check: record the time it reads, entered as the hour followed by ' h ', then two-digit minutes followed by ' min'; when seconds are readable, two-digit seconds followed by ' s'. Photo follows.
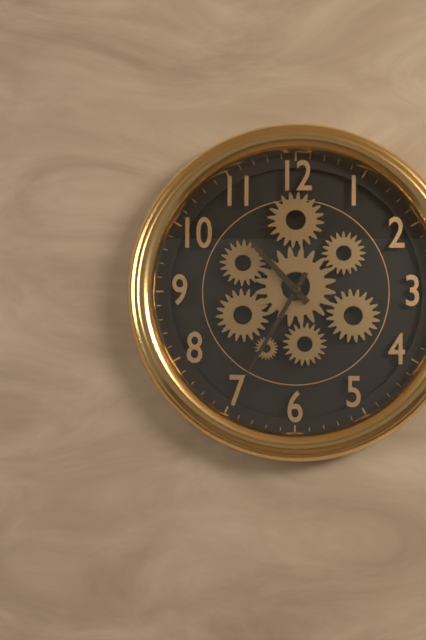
10 h 35 min
